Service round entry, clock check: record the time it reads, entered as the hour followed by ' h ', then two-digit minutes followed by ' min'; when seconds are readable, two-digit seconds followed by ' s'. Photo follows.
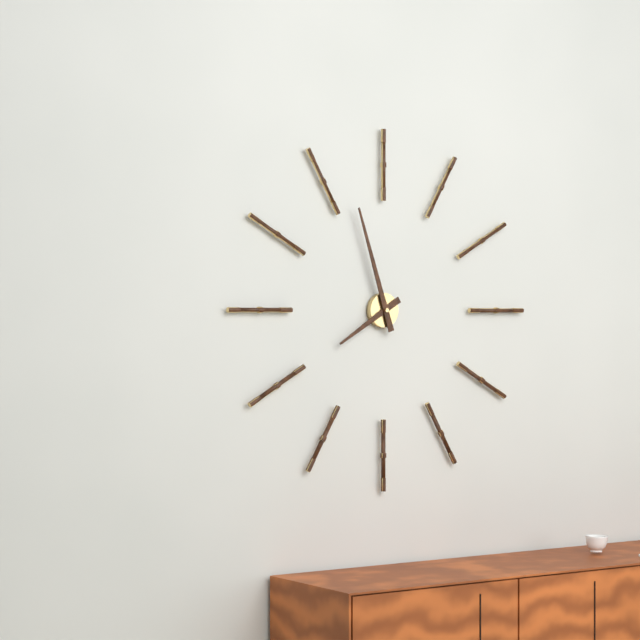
7 h 57 min
